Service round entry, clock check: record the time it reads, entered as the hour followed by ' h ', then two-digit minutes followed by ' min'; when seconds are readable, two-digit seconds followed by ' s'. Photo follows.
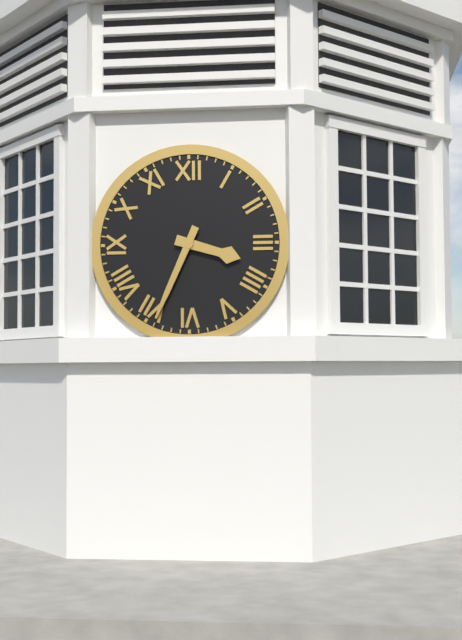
3 h 34 min
